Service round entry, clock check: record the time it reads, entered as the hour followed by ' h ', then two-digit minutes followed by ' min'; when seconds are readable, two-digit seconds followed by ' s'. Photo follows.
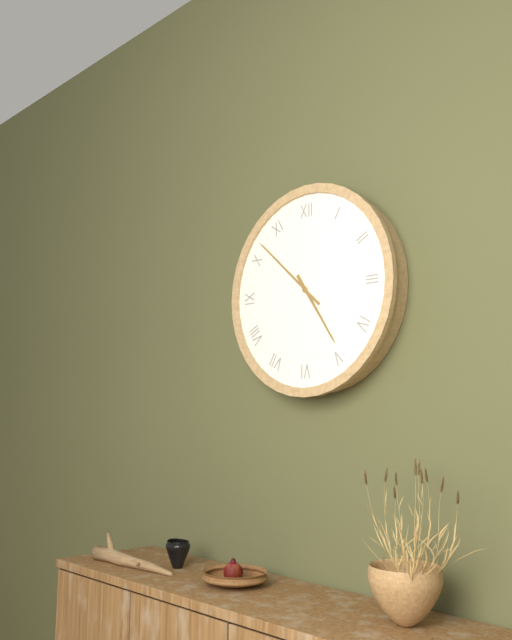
4 h 52 min
